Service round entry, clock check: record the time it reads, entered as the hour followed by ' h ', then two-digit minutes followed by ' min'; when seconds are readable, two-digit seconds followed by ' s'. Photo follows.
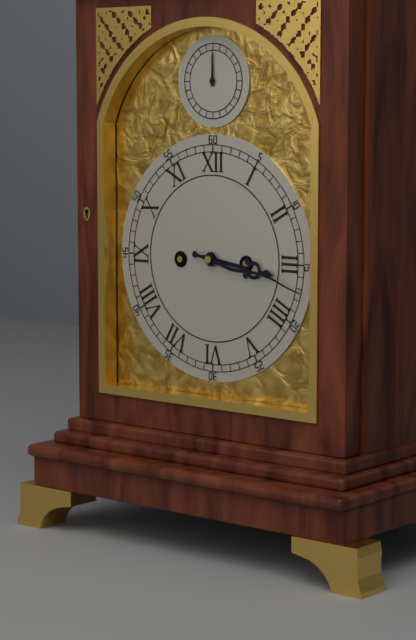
3 h 17 min
